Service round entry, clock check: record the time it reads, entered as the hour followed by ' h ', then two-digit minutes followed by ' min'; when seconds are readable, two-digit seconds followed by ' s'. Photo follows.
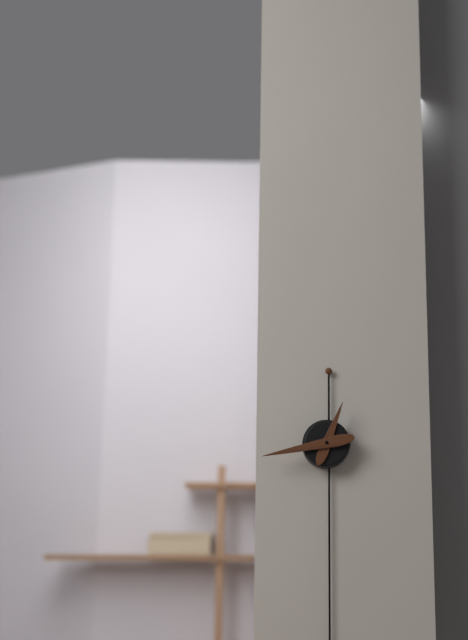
12 h 43 min
